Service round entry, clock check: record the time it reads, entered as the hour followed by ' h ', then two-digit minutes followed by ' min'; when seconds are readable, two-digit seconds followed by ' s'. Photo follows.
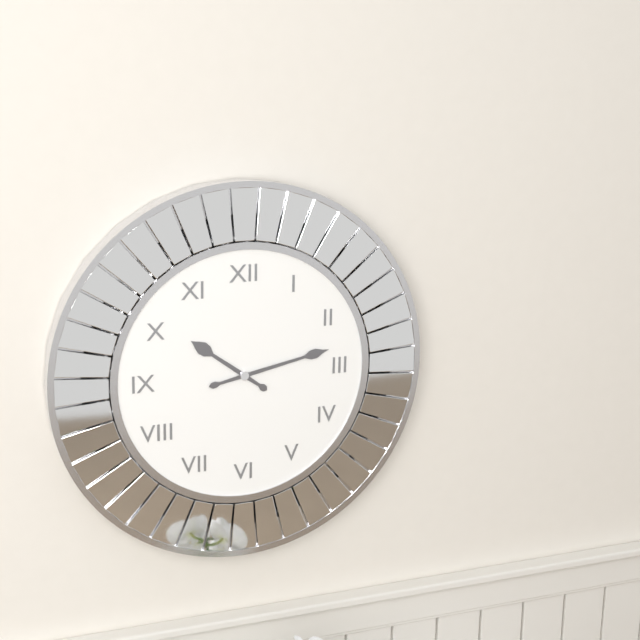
10 h 13 min
